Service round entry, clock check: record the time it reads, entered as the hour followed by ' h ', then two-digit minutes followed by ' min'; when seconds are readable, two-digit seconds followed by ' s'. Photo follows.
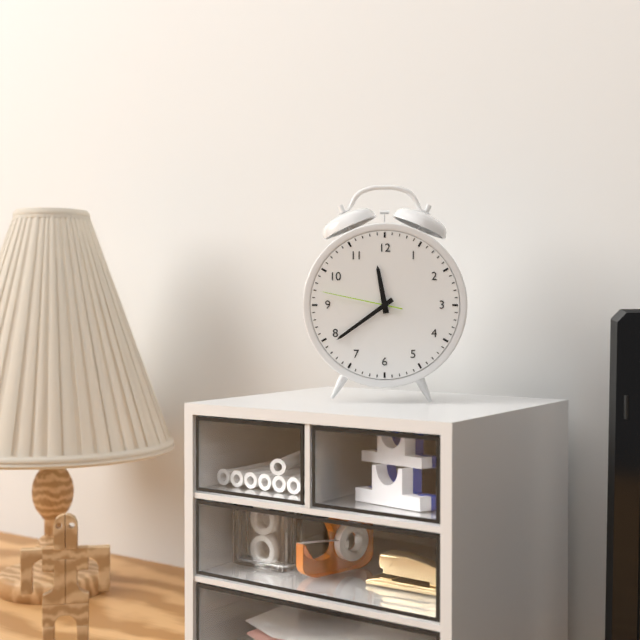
11 h 39 min 47 s
